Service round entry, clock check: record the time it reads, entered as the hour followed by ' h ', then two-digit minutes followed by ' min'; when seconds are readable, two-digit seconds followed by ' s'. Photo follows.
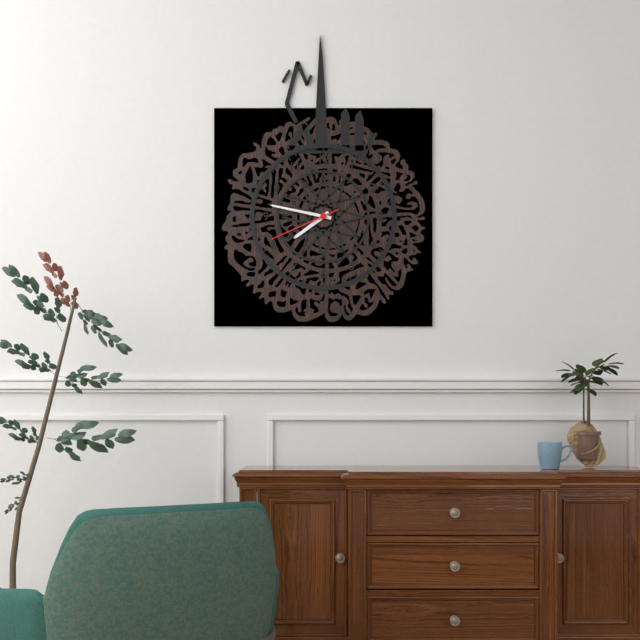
7 h 47 min 41 s
